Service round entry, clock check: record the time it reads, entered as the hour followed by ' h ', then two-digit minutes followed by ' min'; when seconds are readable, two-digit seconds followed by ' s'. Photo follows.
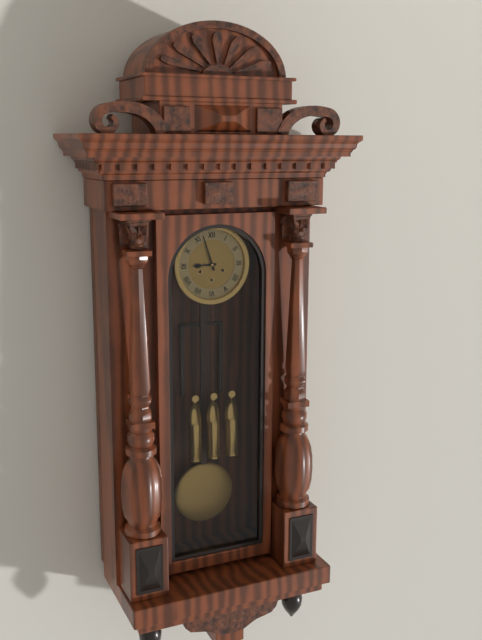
8 h 57 min
